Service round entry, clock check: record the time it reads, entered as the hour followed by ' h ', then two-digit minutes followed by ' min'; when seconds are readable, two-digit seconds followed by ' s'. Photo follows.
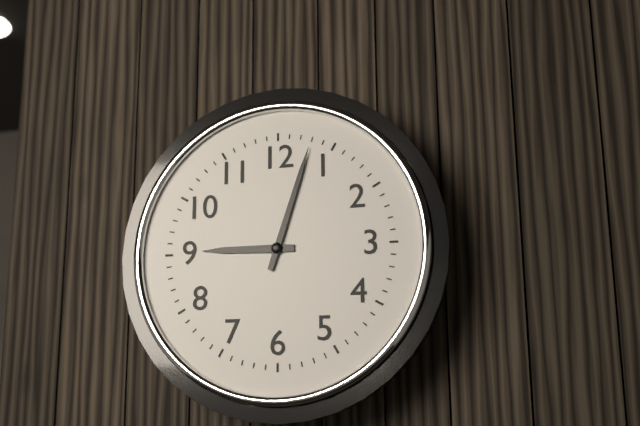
9 h 03 min
